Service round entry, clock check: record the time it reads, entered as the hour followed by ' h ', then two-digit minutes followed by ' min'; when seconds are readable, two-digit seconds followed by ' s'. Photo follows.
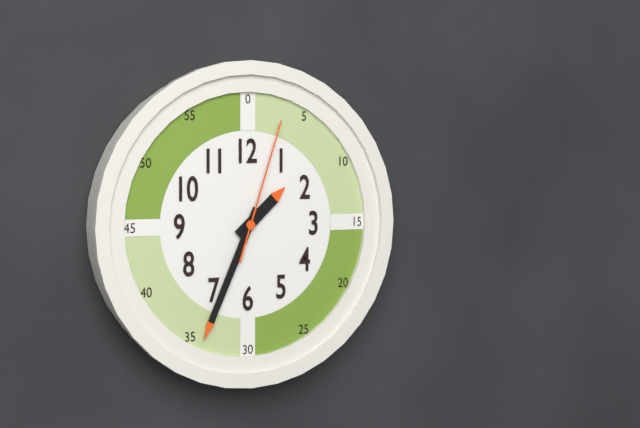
1 h 34 min 03 s
